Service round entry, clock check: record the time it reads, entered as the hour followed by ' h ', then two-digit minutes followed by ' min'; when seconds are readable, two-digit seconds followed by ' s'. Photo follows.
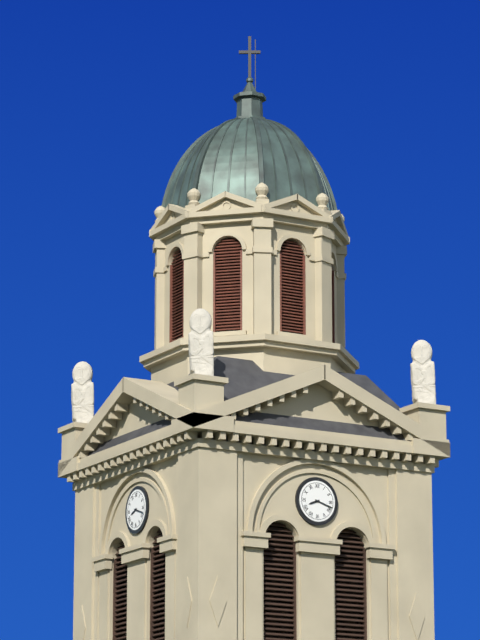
8 h 18 min
